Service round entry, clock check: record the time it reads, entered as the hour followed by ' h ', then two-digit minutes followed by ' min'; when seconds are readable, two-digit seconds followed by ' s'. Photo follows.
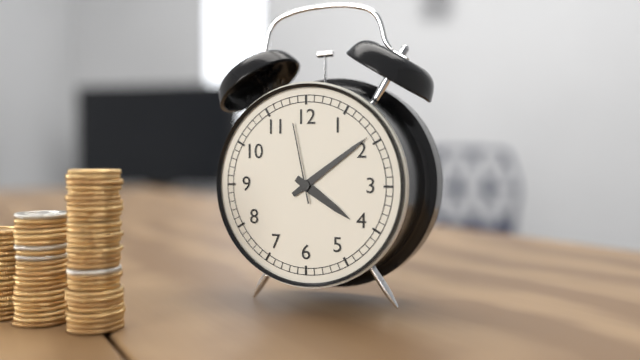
4 h 09 min 58 s
